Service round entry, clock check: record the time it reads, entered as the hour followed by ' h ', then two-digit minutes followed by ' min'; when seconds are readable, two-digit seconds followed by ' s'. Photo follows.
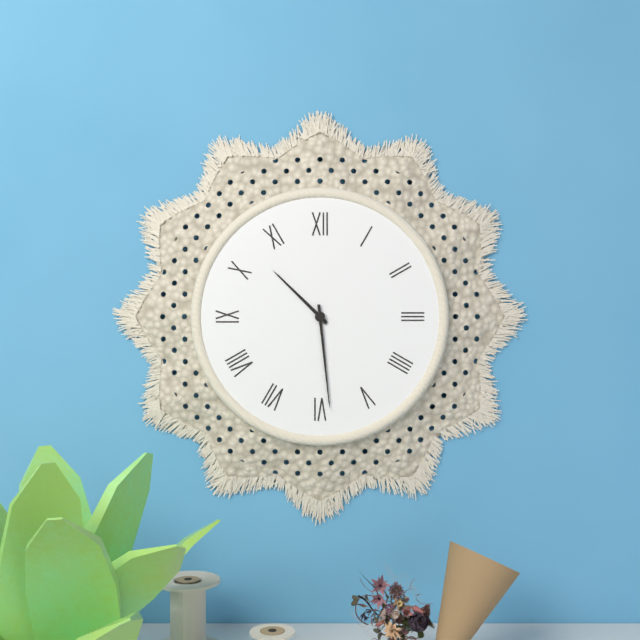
10 h 29 min
